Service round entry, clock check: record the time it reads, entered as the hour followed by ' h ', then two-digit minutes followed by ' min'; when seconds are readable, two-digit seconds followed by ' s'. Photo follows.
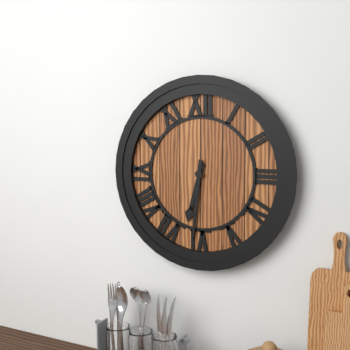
6 h 31 min
